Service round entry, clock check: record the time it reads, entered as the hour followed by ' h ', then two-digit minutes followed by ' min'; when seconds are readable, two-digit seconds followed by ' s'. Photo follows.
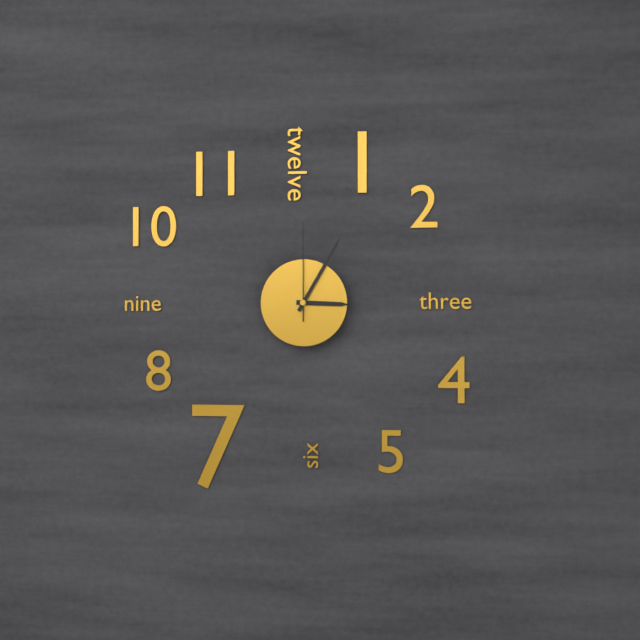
3 h 05 min 00 s
